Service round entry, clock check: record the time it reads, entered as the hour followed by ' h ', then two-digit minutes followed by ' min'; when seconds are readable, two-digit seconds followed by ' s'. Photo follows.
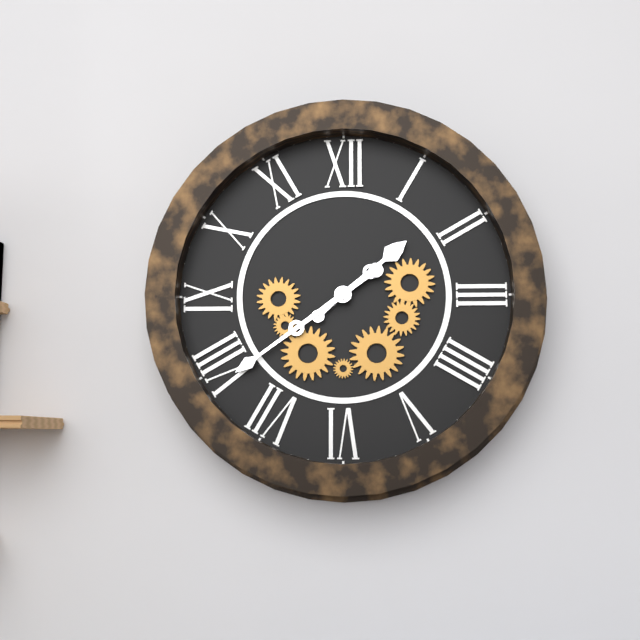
1 h 39 min
